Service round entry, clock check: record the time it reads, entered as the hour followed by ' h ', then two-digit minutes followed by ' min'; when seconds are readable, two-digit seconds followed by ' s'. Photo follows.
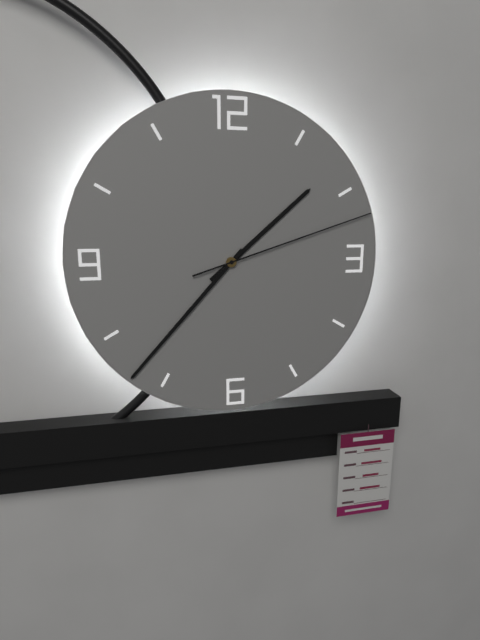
1 h 37 min 12 s
